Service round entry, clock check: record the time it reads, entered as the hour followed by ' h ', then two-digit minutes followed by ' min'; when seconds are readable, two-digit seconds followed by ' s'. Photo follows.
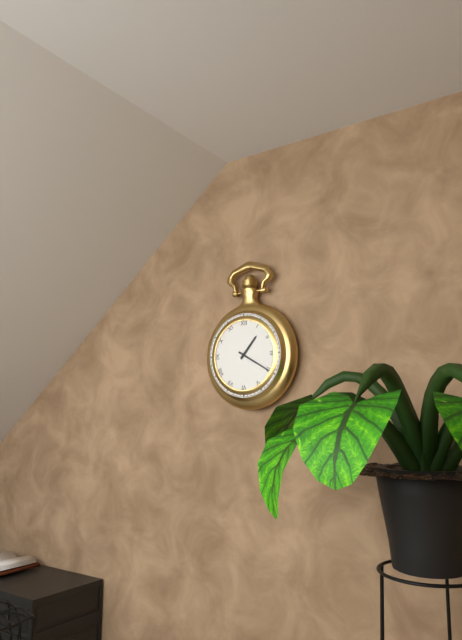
1 h 20 min
